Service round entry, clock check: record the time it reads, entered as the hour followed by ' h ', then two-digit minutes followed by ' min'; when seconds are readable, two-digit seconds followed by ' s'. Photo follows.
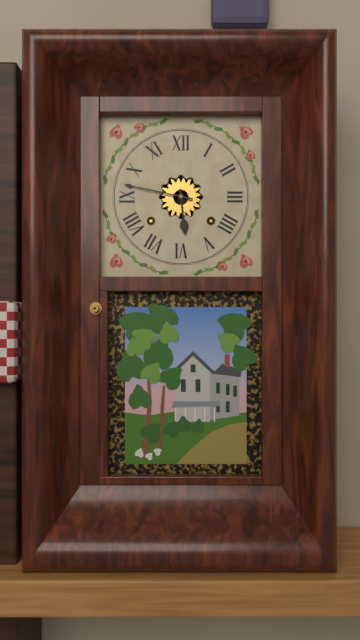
5 h 47 min
